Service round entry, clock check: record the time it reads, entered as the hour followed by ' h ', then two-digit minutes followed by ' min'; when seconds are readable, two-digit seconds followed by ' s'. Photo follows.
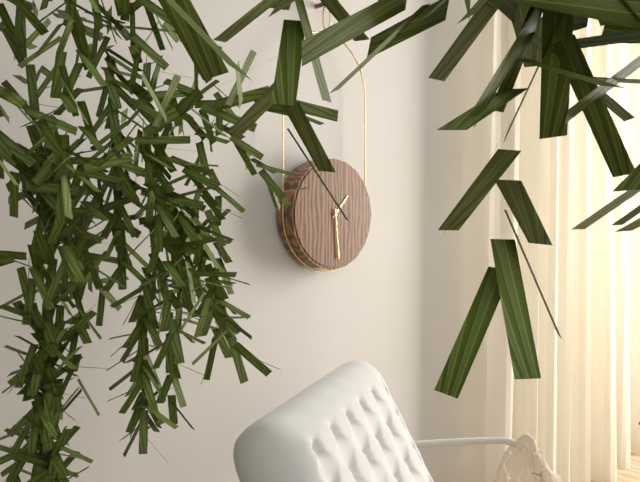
1 h 29 min
